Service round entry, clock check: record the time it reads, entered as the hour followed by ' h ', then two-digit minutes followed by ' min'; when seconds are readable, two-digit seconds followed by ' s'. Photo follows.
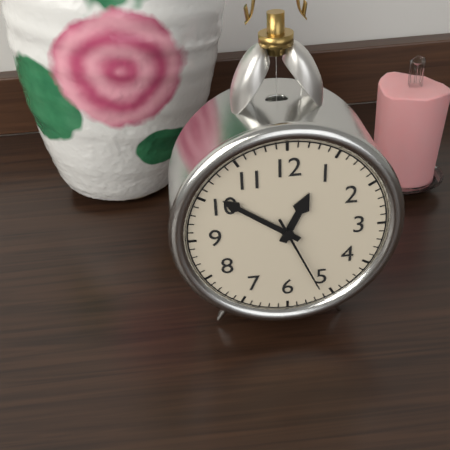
12 h 51 min 26 s
